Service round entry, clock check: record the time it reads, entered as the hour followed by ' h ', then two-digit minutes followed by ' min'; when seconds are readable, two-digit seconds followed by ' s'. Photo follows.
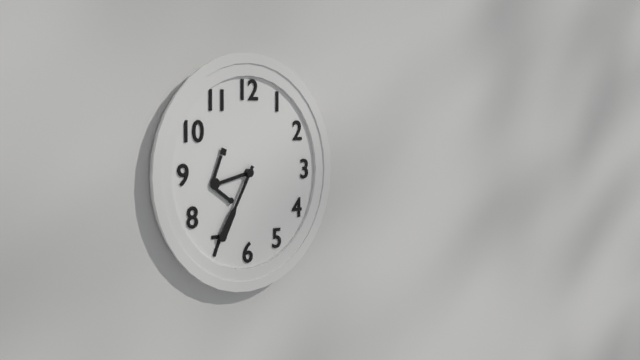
8 h 35 min
